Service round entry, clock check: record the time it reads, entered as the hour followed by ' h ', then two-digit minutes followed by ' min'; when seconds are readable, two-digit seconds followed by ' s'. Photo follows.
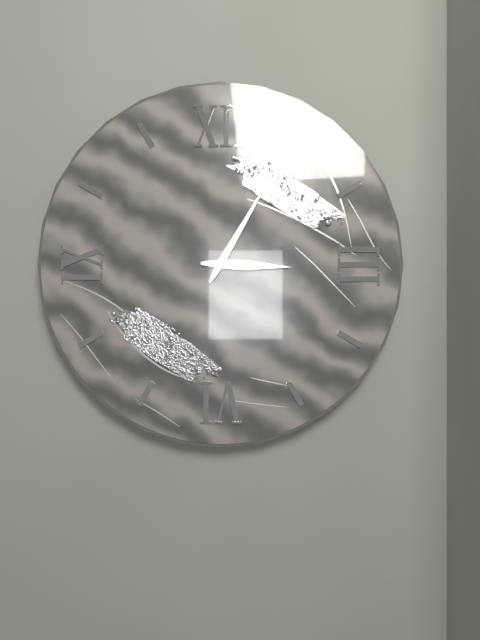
3 h 05 min
